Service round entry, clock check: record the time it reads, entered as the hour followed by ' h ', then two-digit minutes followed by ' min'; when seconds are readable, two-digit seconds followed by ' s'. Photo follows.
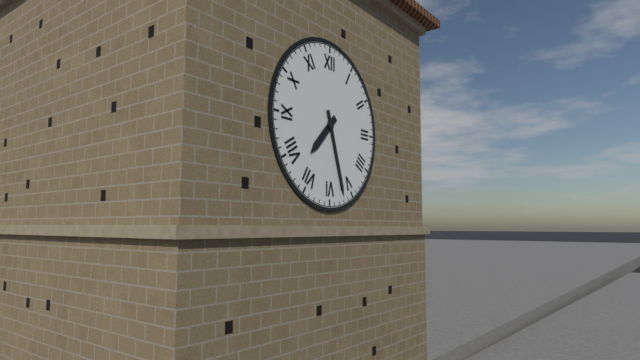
7 h 27 min
